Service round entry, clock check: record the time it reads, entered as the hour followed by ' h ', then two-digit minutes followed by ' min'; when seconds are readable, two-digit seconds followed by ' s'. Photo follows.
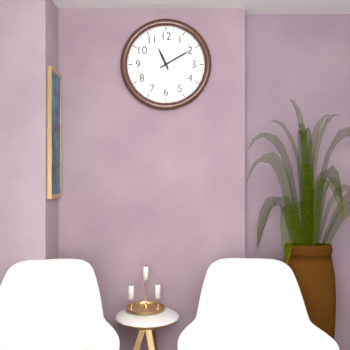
11 h 10 min
